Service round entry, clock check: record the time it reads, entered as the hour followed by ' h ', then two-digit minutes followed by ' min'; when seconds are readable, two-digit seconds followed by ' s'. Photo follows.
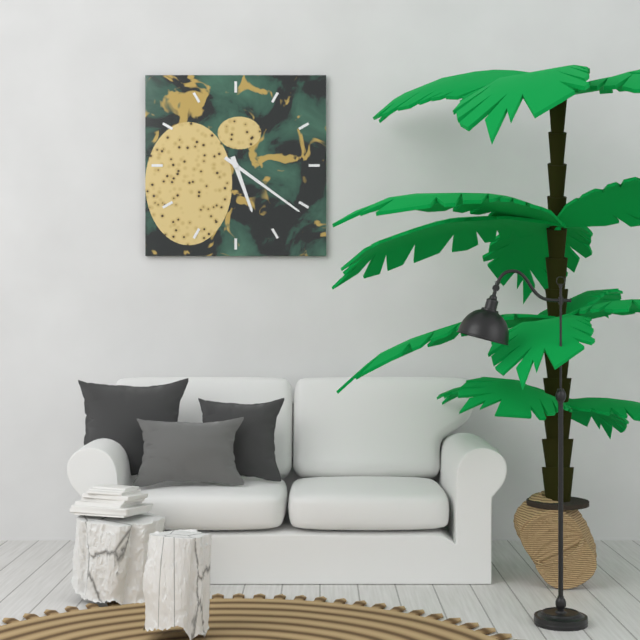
5 h 21 min
